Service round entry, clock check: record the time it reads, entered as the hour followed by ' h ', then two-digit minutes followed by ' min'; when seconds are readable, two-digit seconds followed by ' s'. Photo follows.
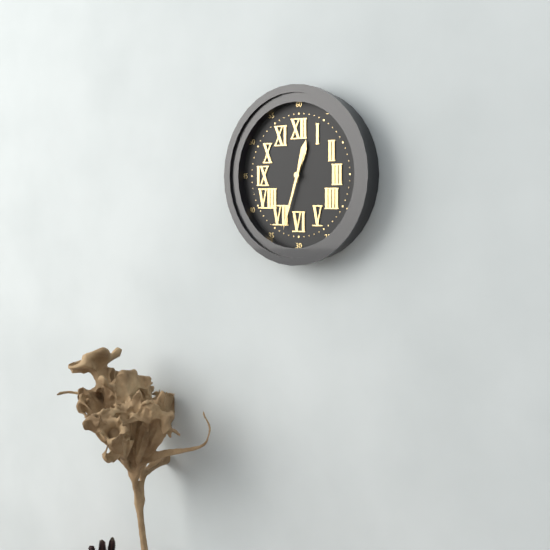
12 h 33 min
